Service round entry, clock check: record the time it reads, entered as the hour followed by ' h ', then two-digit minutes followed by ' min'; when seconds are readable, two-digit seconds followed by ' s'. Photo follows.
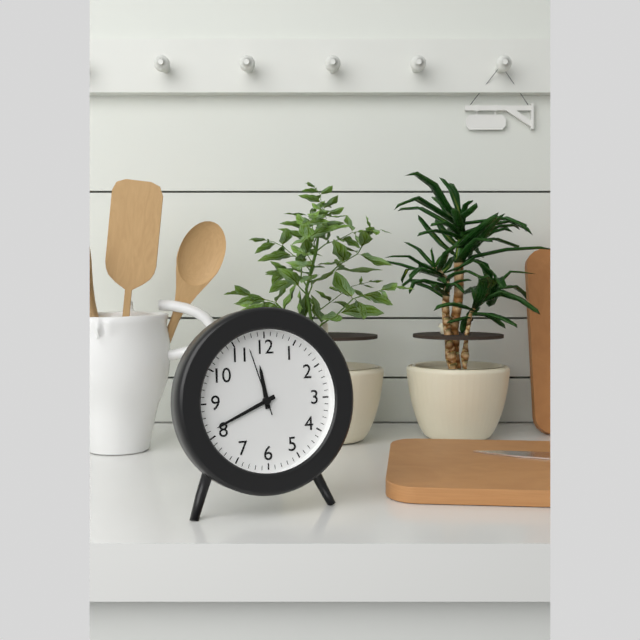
11 h 41 min 57 s
